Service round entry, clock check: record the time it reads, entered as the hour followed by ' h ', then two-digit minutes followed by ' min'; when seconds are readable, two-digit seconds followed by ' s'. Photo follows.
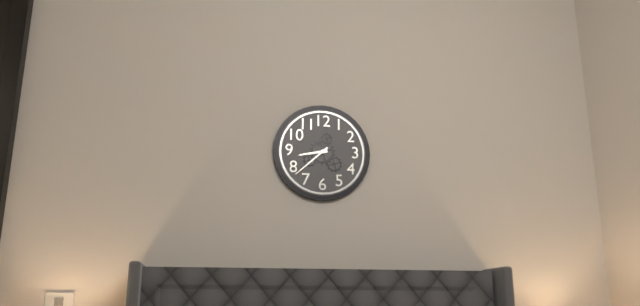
8 h 38 min
